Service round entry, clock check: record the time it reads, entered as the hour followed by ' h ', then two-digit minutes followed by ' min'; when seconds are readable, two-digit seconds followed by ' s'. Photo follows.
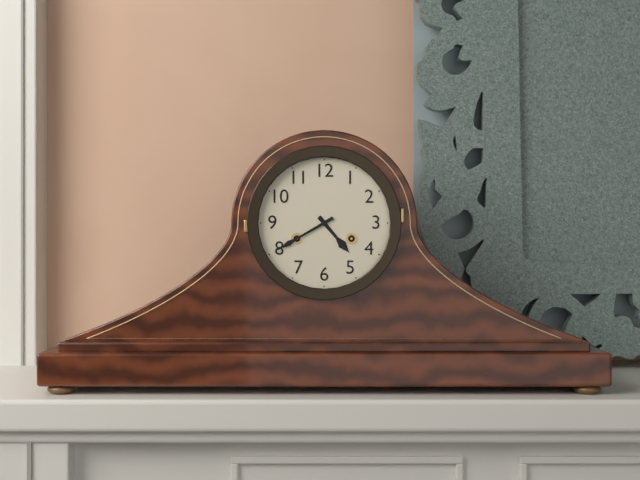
4 h 40 min
